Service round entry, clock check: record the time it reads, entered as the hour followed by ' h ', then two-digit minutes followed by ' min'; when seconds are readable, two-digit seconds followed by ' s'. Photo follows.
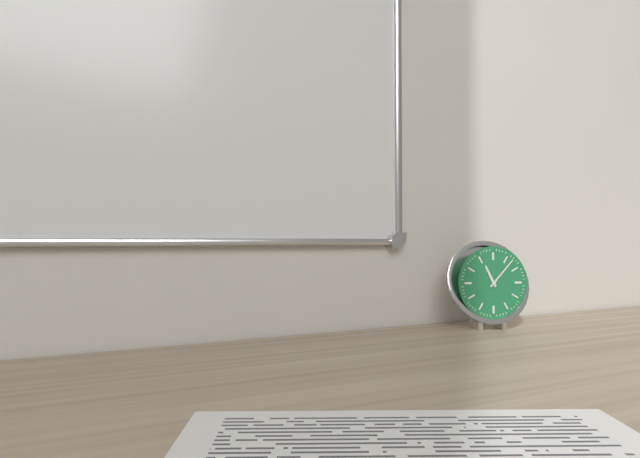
11 h 07 min
